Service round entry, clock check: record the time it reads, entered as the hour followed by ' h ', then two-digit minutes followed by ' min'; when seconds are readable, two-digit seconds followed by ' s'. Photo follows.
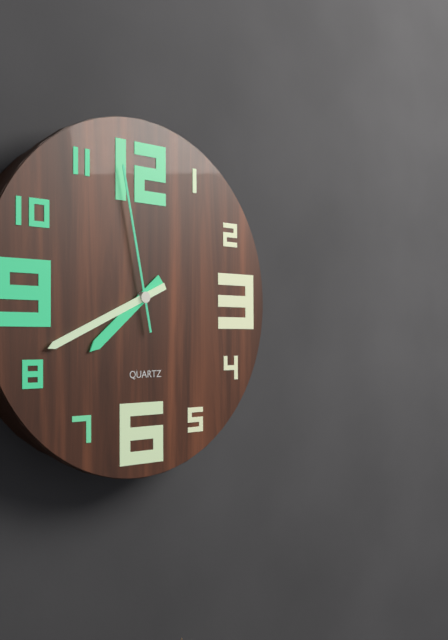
7 h 41 min 58 s
